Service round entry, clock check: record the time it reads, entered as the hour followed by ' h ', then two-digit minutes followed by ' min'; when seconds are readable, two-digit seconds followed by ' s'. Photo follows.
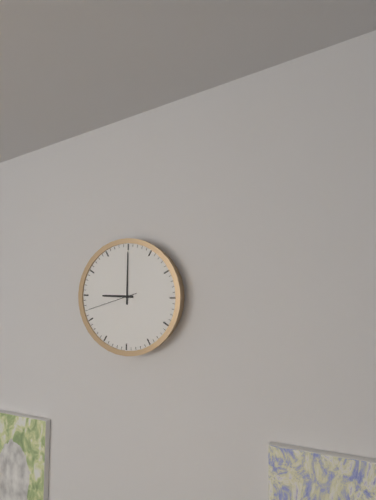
9 h 00 min 42 s
